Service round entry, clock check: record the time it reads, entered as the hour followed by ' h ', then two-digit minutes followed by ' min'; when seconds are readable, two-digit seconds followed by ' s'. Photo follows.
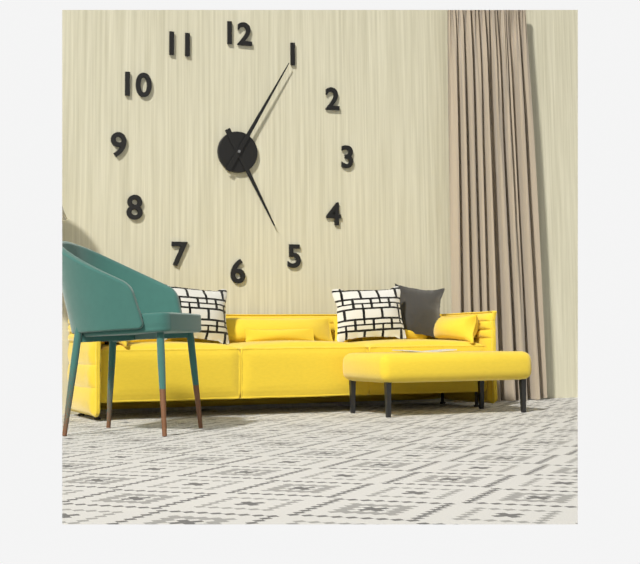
5 h 05 min
